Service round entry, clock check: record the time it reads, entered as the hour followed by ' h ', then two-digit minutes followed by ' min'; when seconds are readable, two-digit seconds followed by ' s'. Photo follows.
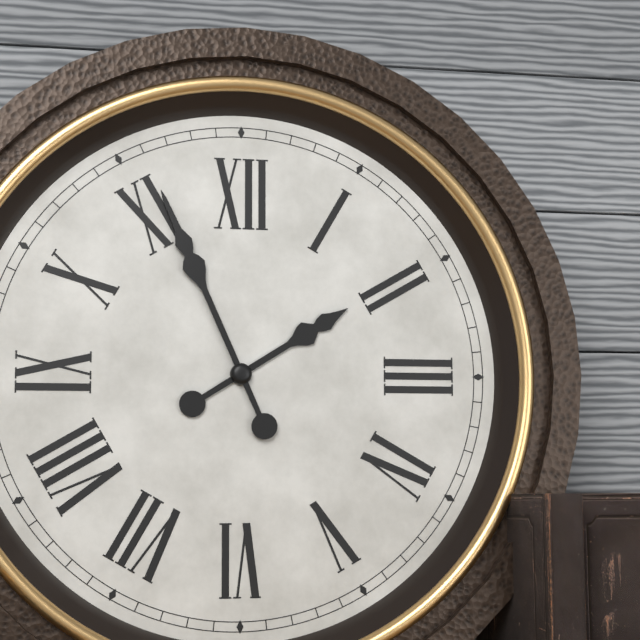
1 h 56 min
